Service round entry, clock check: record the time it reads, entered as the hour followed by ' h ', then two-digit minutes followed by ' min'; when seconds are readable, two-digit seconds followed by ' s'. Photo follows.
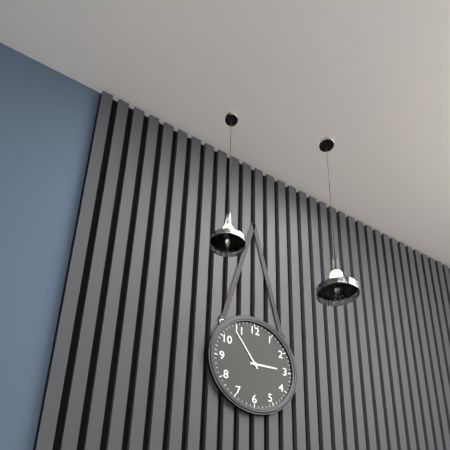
2 h 54 min
